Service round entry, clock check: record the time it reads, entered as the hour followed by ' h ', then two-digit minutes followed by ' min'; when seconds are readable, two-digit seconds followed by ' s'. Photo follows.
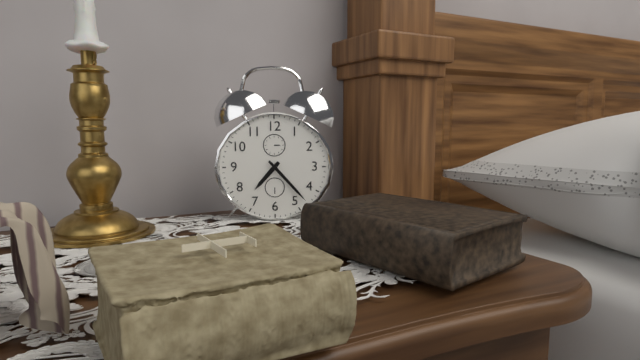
7 h 23 min
